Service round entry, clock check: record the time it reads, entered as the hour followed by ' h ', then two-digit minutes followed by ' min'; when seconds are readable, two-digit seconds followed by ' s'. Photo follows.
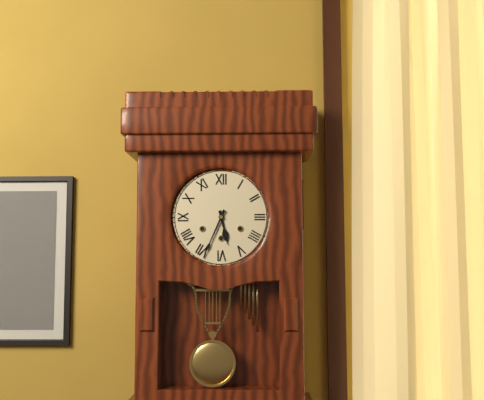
5 h 34 min
